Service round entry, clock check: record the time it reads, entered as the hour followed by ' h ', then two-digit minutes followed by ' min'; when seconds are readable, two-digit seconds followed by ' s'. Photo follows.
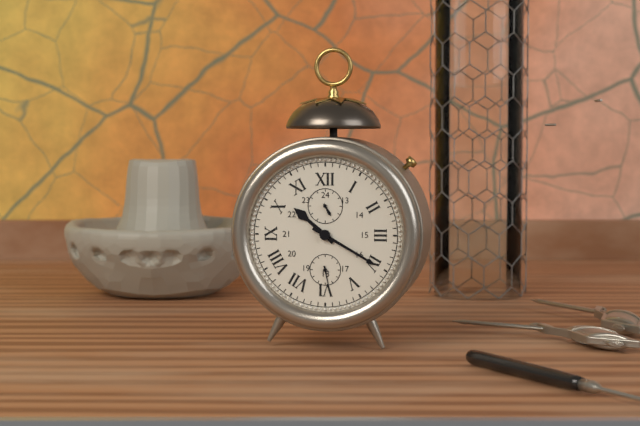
10 h 20 min
